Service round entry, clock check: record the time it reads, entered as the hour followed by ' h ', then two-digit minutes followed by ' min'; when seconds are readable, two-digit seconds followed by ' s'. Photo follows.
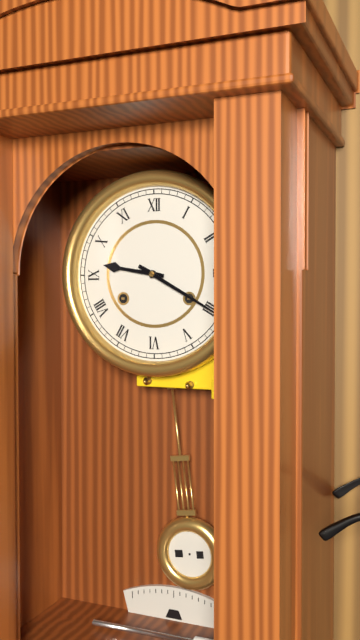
9 h 20 min
